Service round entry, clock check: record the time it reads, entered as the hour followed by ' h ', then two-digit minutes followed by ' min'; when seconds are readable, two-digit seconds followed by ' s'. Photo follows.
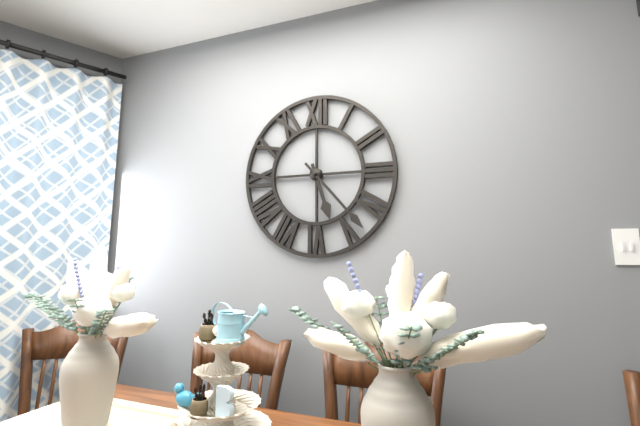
5 h 23 min
